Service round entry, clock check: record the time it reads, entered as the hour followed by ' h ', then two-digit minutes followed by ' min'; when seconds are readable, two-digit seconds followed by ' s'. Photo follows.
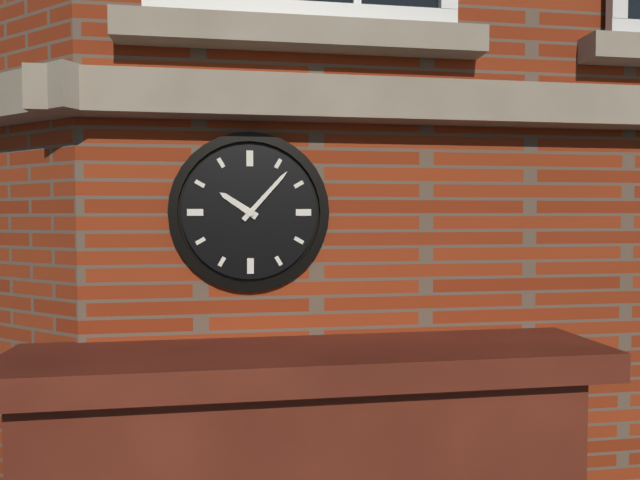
10 h 07 min
